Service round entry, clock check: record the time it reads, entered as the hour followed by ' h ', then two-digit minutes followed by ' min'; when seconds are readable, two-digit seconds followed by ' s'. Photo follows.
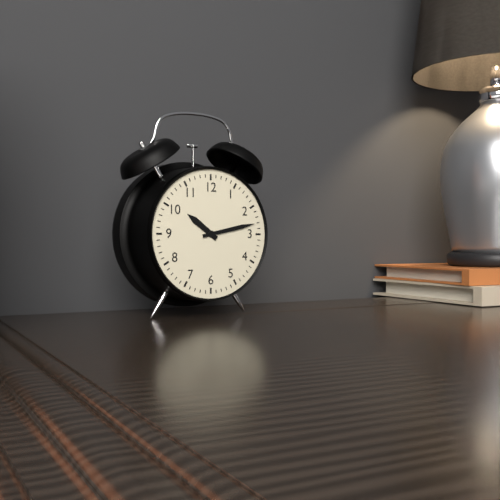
10 h 13 min
